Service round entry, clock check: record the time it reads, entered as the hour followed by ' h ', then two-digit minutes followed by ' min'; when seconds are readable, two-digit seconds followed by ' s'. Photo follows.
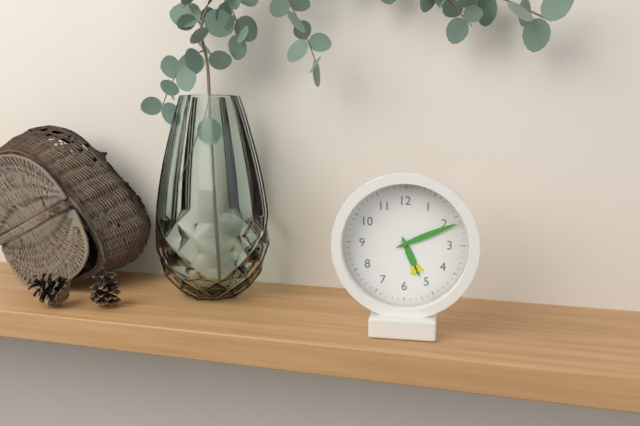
5 h 11 min
